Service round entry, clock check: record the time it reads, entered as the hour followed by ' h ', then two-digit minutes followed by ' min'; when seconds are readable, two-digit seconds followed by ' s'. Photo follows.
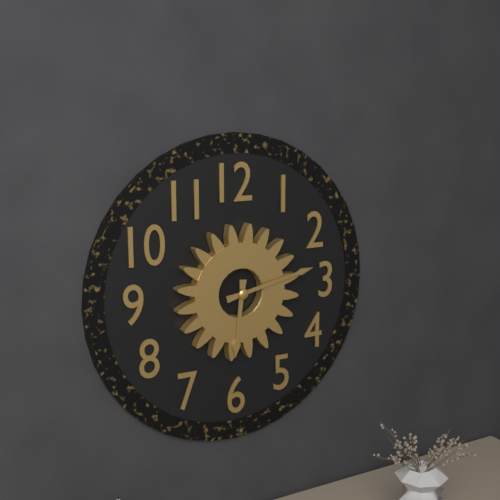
6 h 13 min
